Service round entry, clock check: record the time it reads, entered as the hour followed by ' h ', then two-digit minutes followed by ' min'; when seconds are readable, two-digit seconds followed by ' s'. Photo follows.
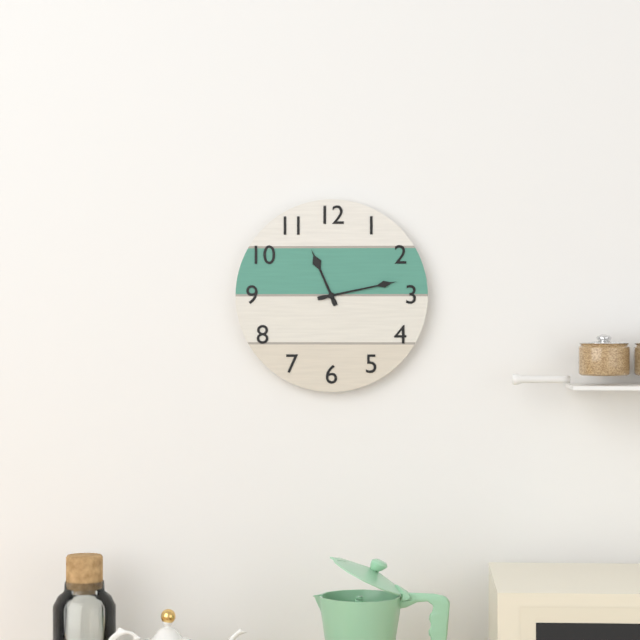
11 h 13 min
